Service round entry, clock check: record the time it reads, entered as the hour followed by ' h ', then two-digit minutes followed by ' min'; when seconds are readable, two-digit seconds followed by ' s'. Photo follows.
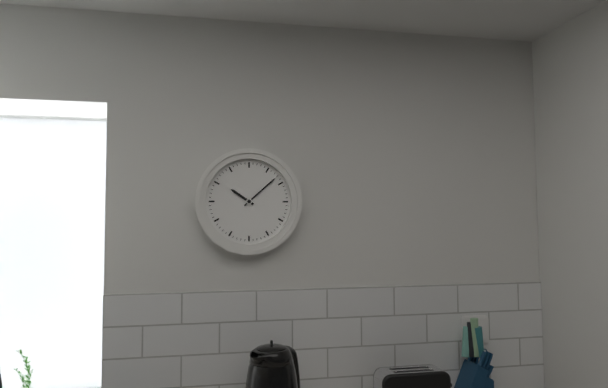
10 h 08 min
